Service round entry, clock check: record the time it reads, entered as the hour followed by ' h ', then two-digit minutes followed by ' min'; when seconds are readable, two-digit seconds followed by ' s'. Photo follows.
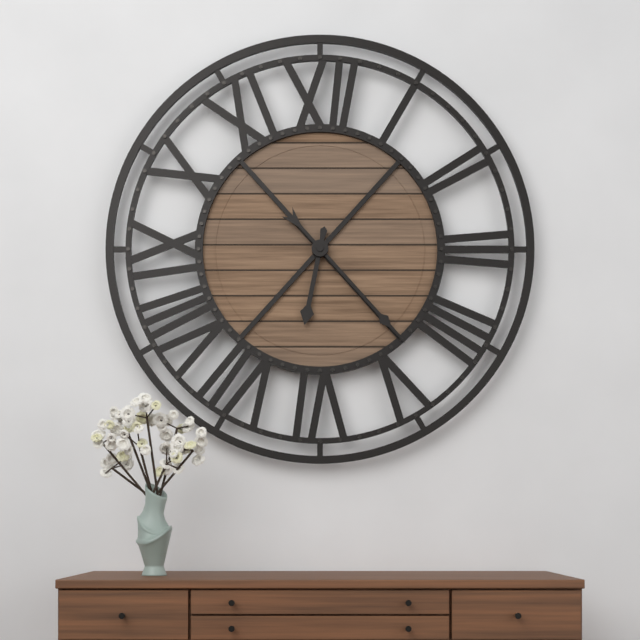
6 h 23 min
